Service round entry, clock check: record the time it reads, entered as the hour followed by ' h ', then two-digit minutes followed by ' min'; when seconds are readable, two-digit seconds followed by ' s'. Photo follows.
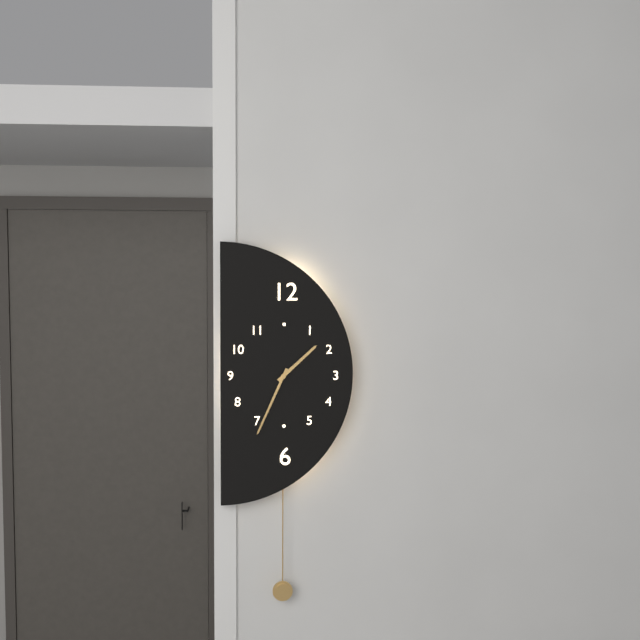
1 h 34 min
